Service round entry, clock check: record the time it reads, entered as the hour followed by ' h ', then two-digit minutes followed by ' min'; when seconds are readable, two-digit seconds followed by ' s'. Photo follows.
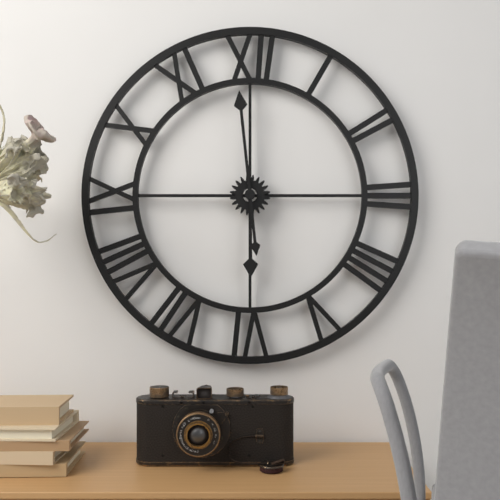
5 h 59 min
